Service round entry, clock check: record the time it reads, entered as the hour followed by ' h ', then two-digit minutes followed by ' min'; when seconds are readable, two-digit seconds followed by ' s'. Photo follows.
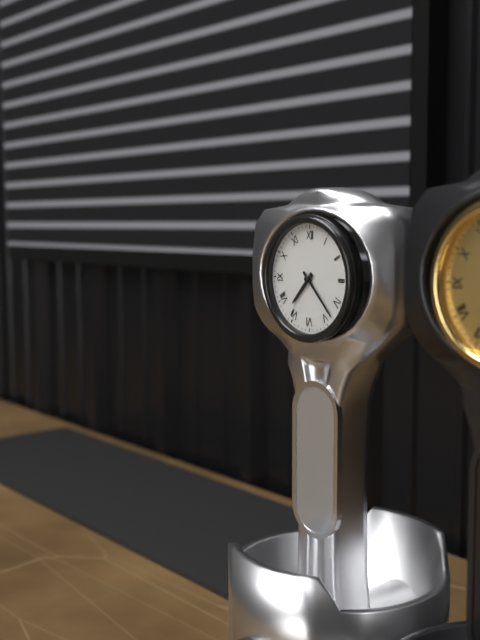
7 h 23 min
